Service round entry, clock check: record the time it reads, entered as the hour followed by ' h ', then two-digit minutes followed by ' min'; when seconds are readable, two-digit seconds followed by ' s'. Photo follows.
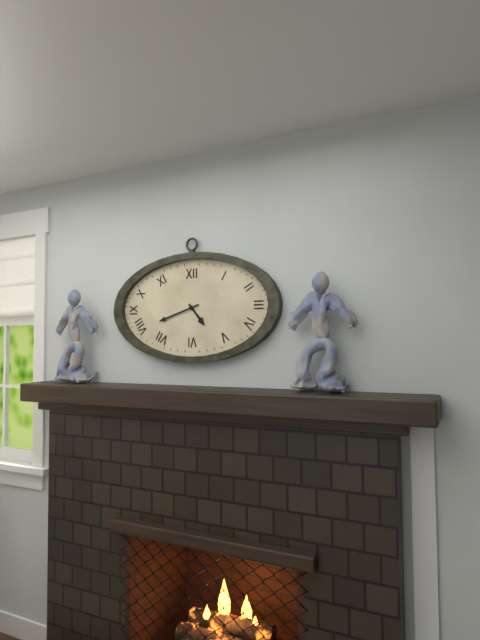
4 h 42 min
